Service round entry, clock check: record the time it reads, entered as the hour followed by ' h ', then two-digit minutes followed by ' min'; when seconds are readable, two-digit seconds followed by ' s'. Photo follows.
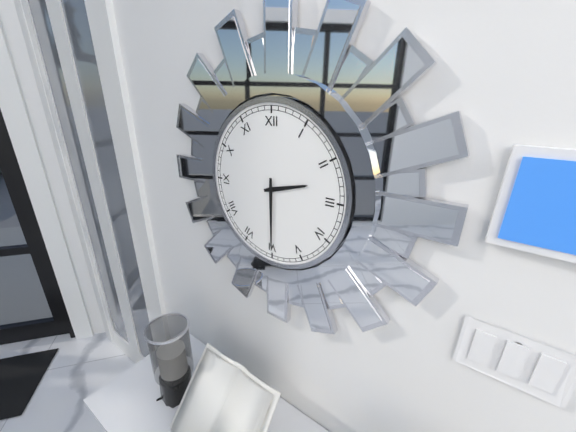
2 h 30 min
